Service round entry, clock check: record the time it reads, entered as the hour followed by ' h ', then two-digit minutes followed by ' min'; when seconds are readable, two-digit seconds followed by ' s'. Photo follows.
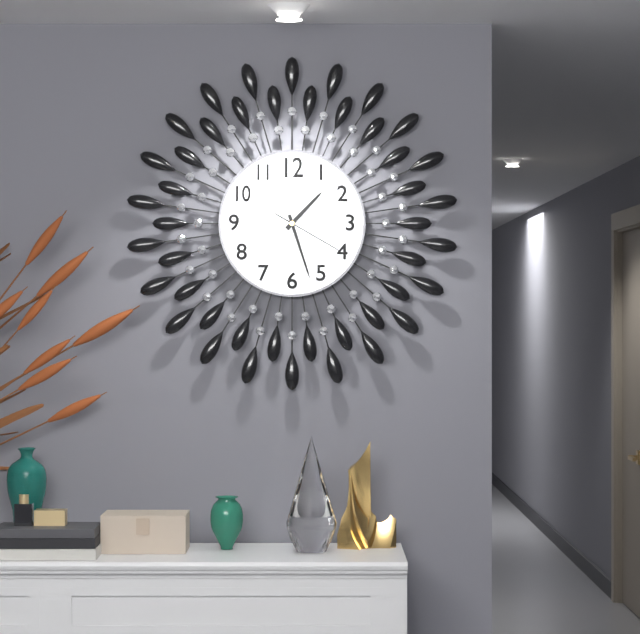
1 h 27 min 20 s
